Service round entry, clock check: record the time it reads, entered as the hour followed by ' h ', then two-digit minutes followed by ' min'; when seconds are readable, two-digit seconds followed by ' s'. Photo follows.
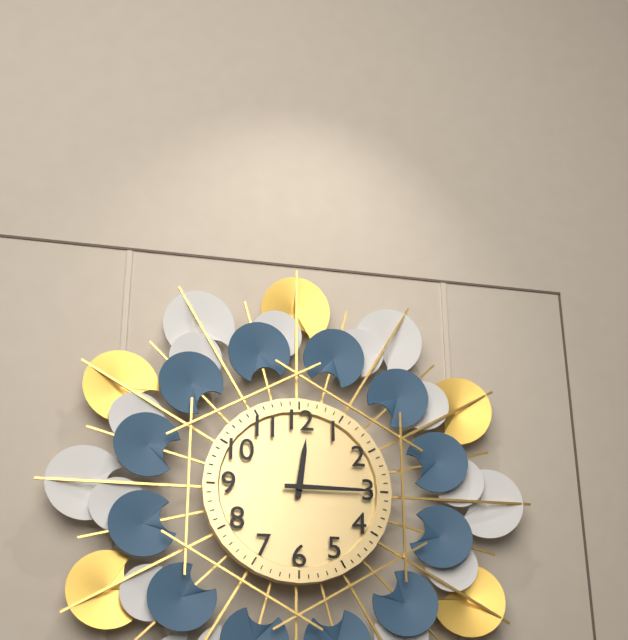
12 h 15 min
